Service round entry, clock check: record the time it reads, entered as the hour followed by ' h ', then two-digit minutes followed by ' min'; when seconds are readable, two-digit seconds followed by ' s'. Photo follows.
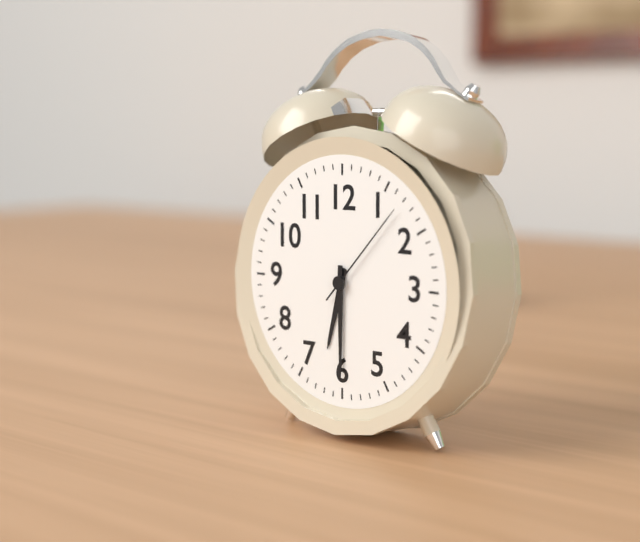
6 h 30 min 07 s
